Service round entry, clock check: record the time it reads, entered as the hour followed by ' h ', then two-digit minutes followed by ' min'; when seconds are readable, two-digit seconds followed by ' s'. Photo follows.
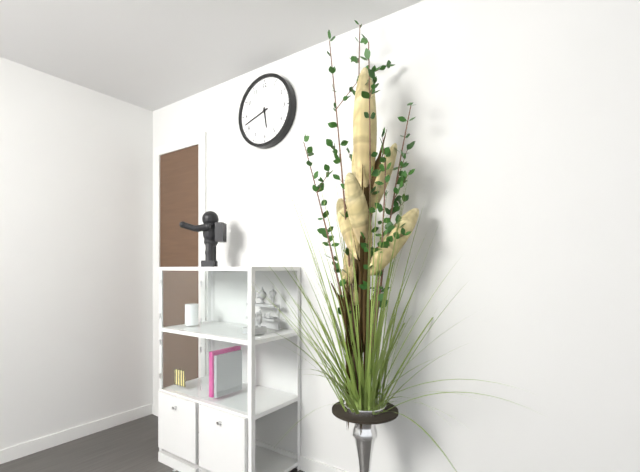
5 h 42 min
